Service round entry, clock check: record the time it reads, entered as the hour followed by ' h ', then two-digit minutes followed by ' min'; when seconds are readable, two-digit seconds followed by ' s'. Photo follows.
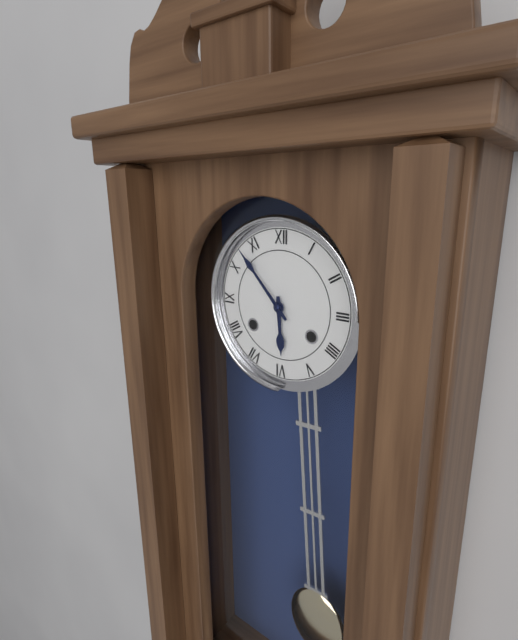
5 h 53 min
